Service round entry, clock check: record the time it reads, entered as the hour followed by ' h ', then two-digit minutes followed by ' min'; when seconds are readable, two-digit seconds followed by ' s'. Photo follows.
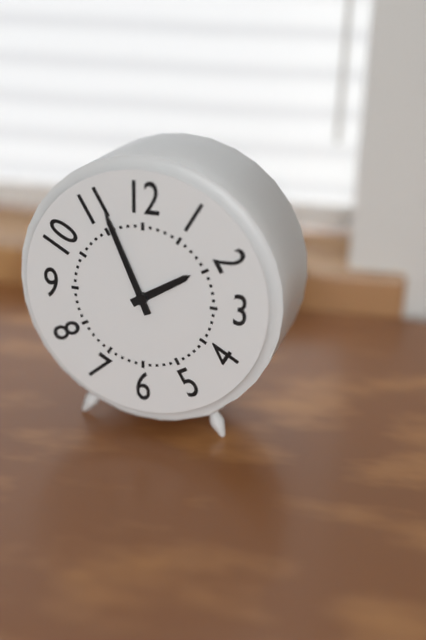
1 h 56 min
